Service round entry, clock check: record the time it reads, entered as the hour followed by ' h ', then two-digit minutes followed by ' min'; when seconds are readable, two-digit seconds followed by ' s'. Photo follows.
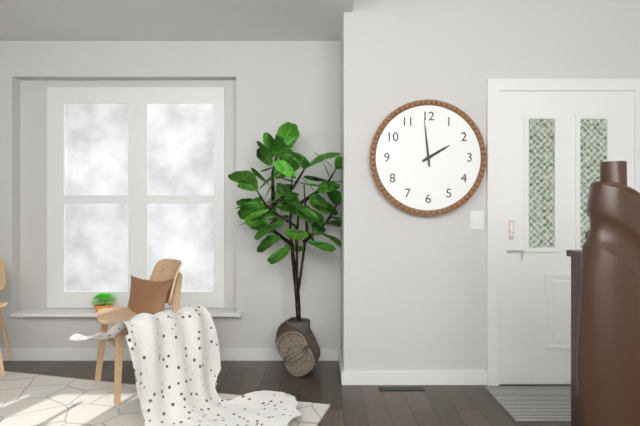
1 h 59 min
